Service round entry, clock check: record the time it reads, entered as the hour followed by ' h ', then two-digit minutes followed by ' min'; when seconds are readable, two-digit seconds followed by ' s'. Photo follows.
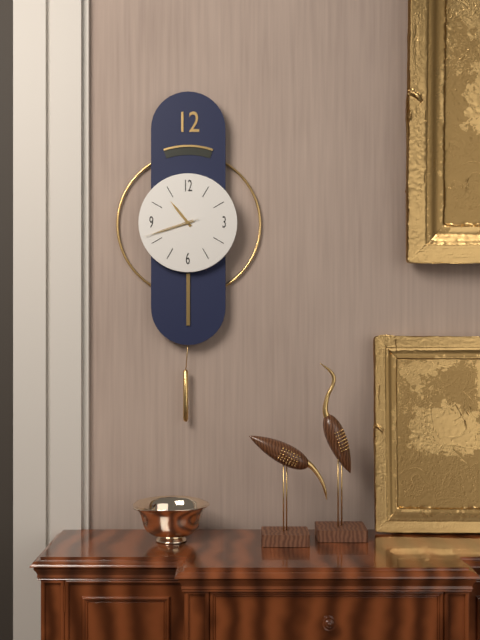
10 h 42 min 42 s
